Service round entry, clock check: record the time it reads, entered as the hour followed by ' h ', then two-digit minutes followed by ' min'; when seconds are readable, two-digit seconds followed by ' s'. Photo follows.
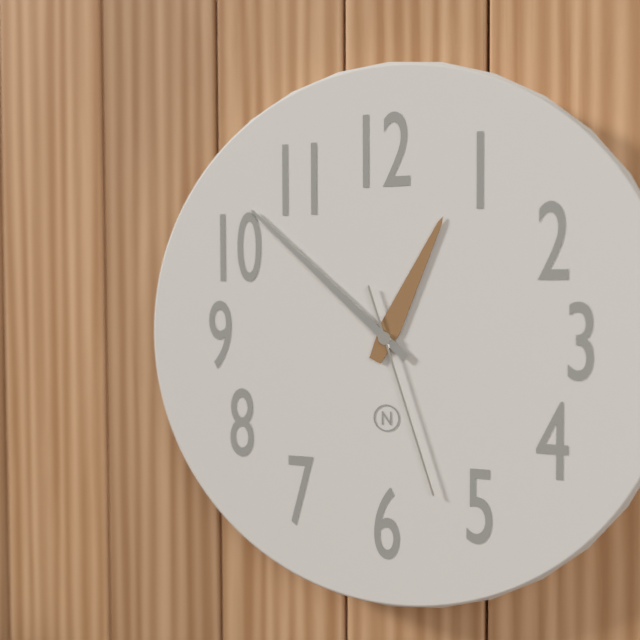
12 h 52 min 27 s
